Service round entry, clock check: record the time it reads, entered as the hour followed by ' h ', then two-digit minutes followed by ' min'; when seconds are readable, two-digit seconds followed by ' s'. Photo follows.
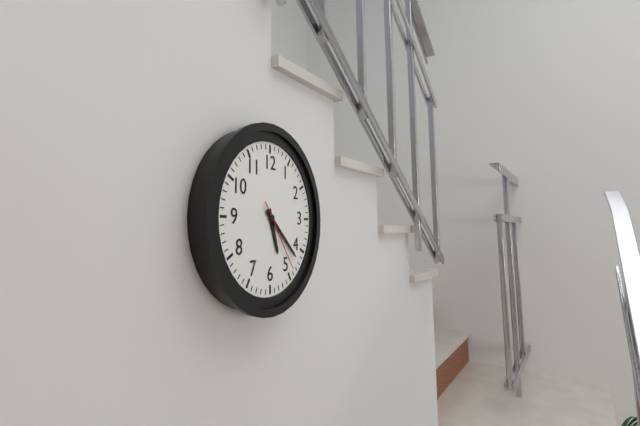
5 h 22 min 24 s
